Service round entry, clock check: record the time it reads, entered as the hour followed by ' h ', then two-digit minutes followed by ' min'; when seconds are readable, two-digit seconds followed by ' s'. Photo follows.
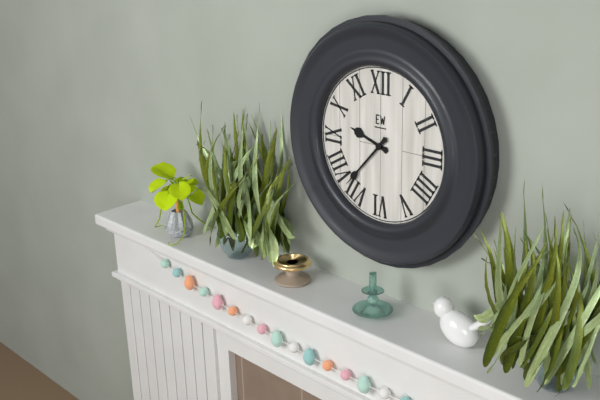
9 h 37 min
